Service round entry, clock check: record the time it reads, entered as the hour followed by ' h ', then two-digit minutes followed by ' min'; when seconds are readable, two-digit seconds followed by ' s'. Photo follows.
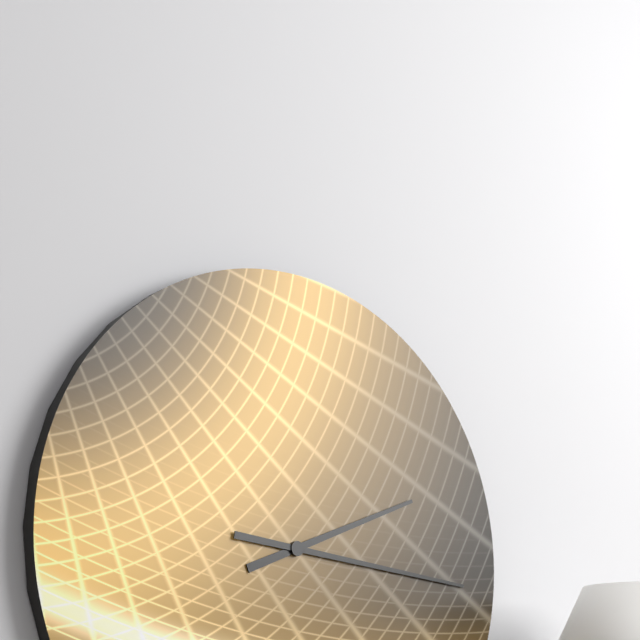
2 h 16 min
